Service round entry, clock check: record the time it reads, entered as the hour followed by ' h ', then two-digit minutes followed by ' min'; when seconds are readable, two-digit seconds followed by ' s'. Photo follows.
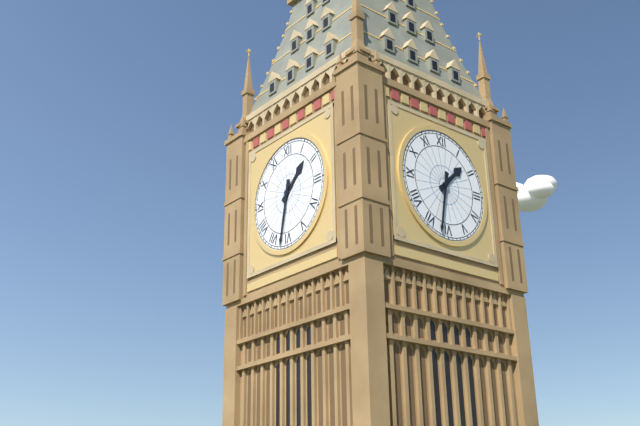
1 h 32 min
